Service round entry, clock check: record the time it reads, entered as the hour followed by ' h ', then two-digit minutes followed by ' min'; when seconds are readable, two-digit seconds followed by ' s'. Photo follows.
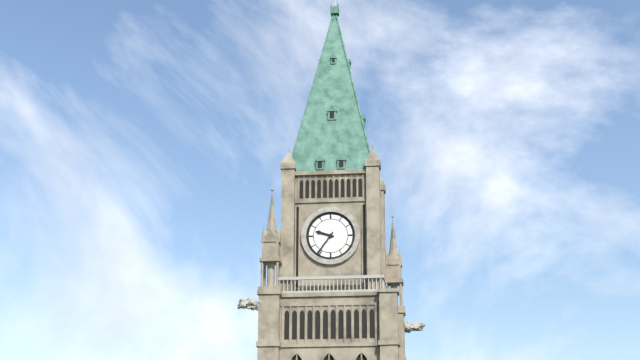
9 h 36 min
